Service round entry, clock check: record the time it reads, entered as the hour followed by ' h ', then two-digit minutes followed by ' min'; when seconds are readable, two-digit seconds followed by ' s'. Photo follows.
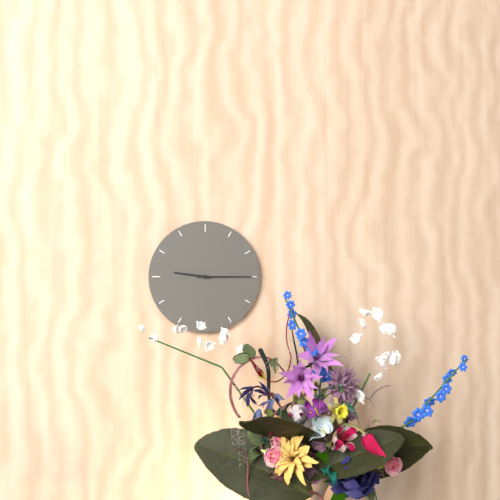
9 h 15 min
